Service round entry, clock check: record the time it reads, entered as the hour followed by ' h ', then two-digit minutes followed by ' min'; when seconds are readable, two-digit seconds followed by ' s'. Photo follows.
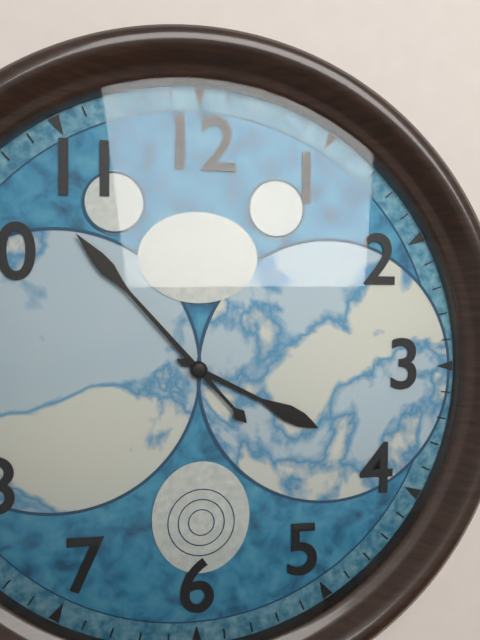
3 h 53 min
